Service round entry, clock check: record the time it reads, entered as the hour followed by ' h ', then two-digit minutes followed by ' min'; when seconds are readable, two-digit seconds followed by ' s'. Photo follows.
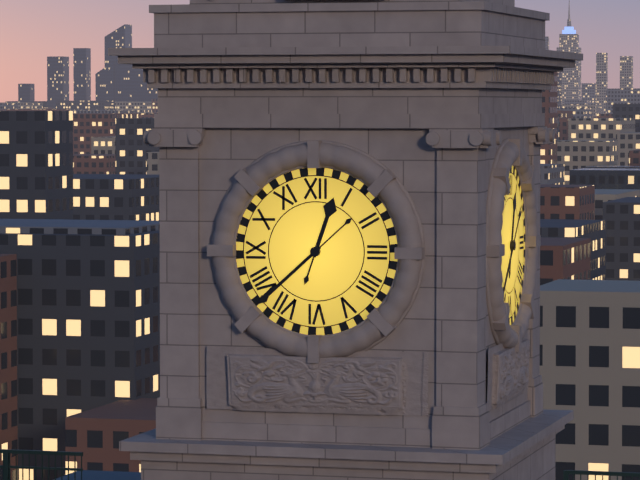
12 h 38 min
